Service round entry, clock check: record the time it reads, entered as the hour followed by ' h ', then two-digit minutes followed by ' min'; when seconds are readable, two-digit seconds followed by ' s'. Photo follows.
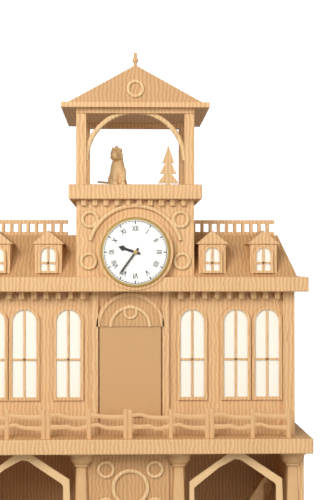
9 h 36 min
